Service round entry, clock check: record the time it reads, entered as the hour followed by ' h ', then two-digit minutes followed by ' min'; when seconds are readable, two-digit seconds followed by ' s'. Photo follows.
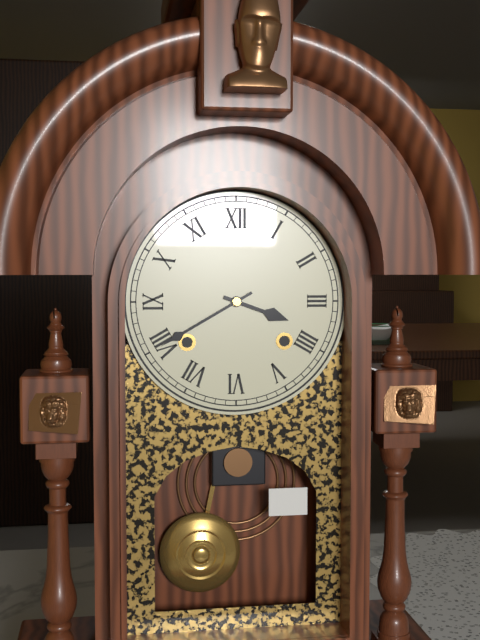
3 h 40 min
